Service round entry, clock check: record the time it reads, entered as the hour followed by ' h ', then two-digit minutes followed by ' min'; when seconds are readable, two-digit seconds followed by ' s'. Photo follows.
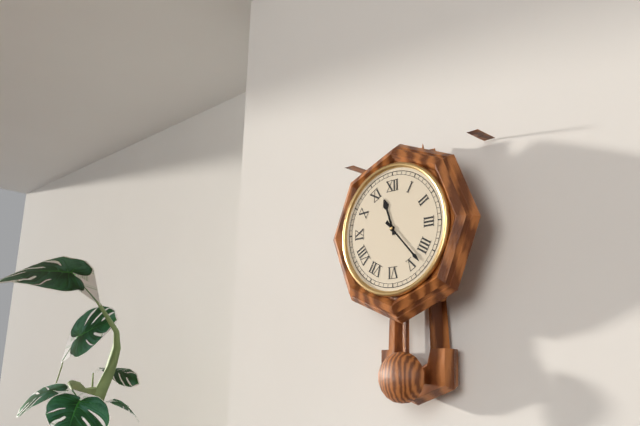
11 h 23 min
